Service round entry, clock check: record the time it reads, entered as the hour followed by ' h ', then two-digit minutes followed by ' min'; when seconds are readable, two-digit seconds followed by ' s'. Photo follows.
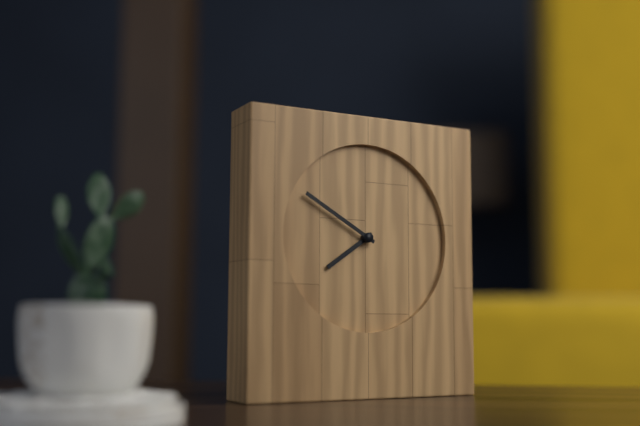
7 h 50 min
